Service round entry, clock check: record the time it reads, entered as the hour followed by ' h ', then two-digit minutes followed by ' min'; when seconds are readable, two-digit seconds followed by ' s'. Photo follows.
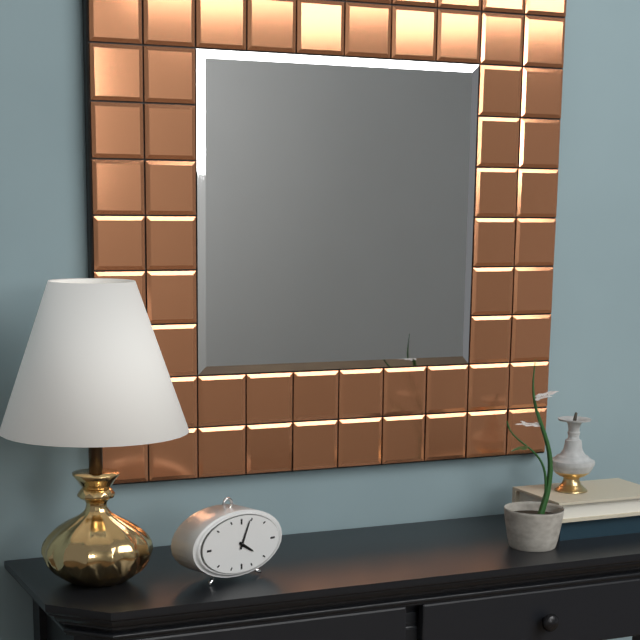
4 h 04 min
